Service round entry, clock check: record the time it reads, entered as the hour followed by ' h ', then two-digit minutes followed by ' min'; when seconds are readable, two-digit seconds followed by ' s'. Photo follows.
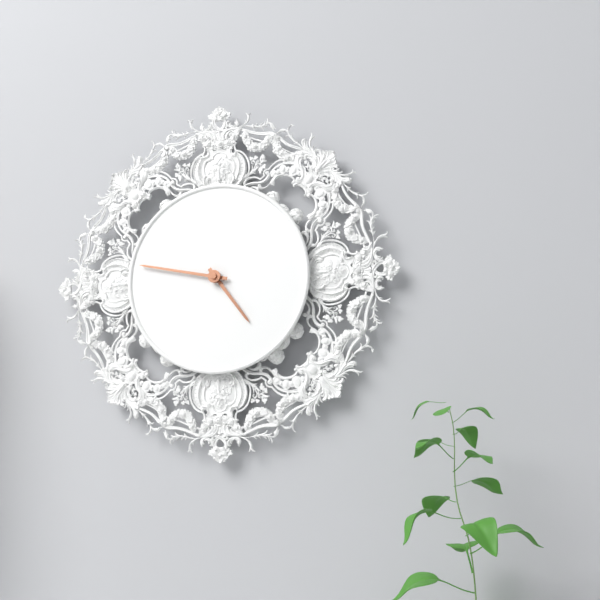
4 h 47 min
